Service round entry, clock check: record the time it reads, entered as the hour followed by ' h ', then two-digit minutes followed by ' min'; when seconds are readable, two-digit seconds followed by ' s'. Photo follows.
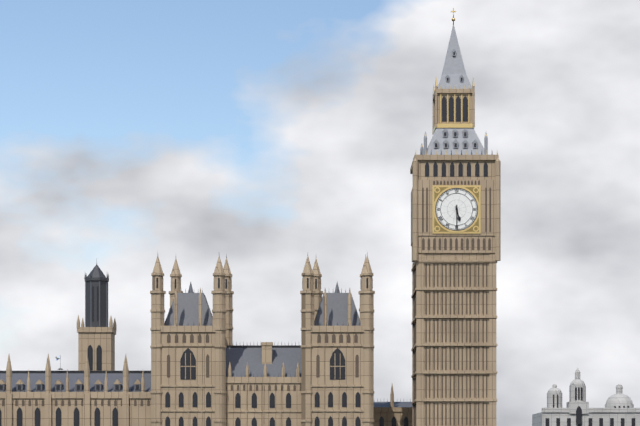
5 h 30 min
